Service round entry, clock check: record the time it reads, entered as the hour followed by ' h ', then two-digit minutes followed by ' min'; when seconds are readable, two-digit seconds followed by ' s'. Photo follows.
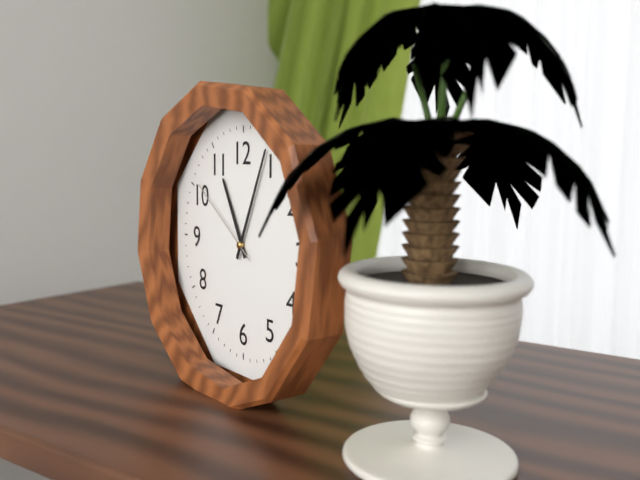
11 h 04 min 51 s
